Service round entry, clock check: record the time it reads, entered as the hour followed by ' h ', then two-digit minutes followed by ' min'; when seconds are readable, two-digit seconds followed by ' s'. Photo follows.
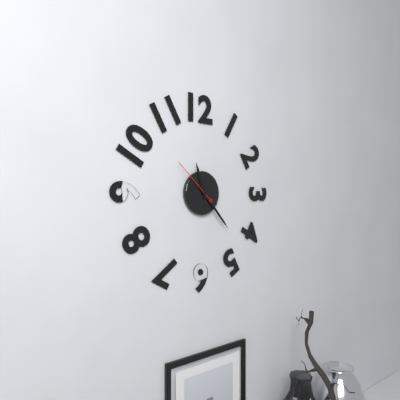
11 h 23 min 52 s
